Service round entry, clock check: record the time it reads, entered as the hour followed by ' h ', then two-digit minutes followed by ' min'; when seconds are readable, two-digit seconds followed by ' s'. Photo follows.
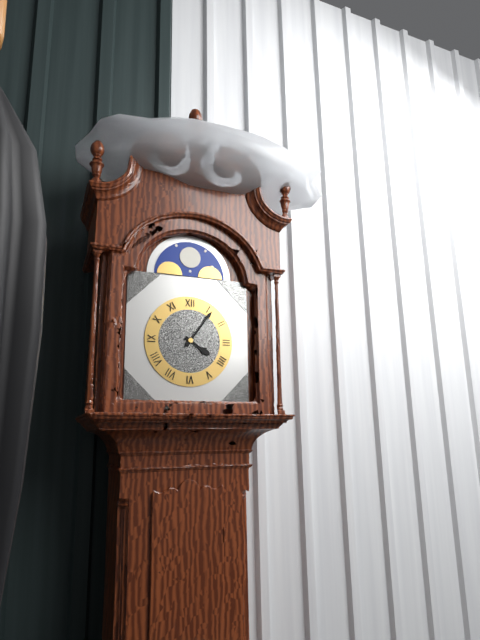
4 h 06 min
